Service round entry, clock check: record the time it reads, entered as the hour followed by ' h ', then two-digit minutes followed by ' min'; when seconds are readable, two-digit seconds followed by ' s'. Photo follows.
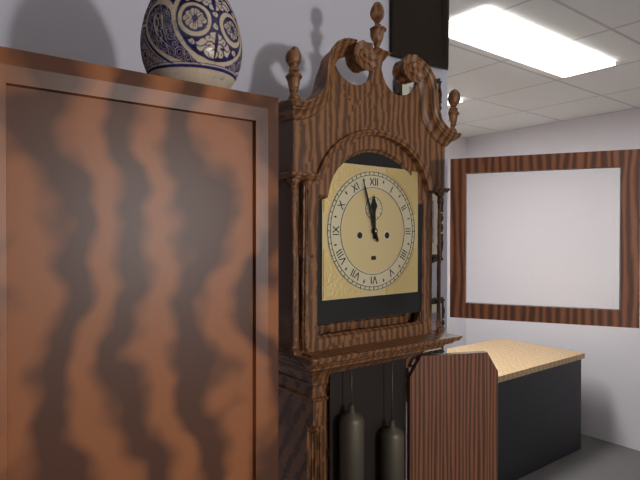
11 h 57 min
